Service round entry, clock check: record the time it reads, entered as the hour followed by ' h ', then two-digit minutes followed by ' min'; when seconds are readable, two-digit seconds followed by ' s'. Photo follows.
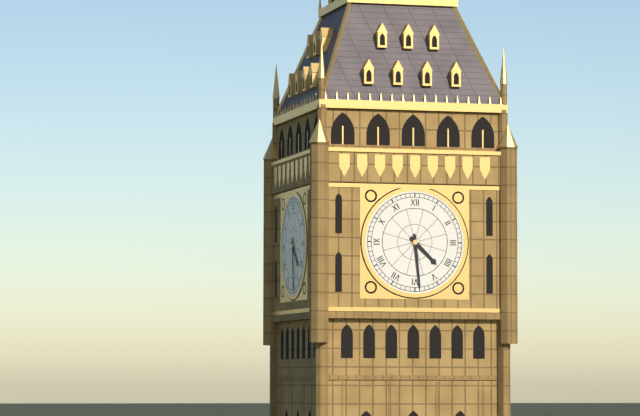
4 h 29 min
